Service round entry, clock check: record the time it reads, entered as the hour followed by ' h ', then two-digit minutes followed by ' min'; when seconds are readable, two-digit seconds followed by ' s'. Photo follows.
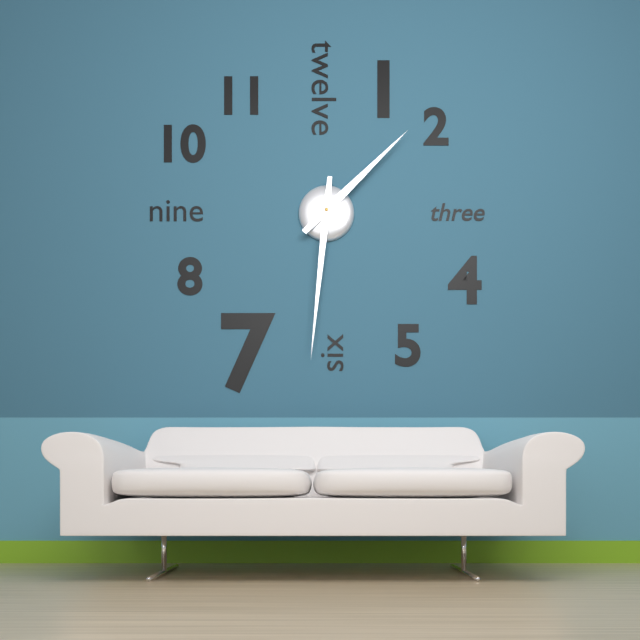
1 h 31 min
